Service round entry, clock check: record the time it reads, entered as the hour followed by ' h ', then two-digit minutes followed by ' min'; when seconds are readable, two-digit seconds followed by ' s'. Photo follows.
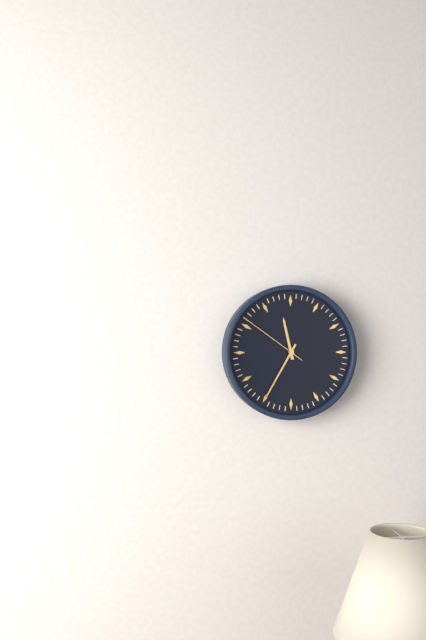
11 h 35 min 51 s
